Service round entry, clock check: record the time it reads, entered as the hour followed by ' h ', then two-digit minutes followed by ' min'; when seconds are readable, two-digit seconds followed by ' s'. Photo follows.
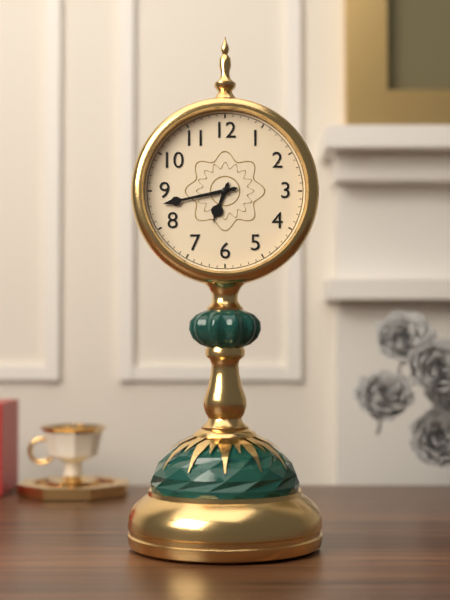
6 h 43 min
